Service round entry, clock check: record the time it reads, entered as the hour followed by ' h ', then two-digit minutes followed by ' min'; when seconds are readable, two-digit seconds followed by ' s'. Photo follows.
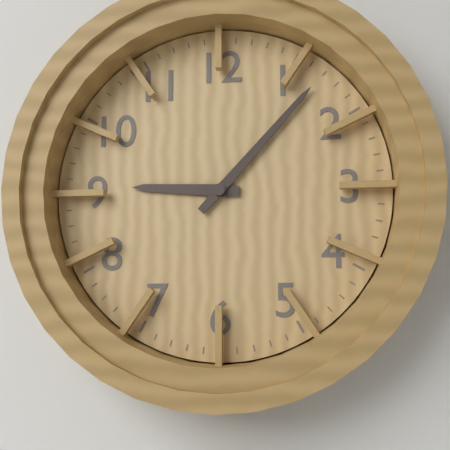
9 h 07 min
